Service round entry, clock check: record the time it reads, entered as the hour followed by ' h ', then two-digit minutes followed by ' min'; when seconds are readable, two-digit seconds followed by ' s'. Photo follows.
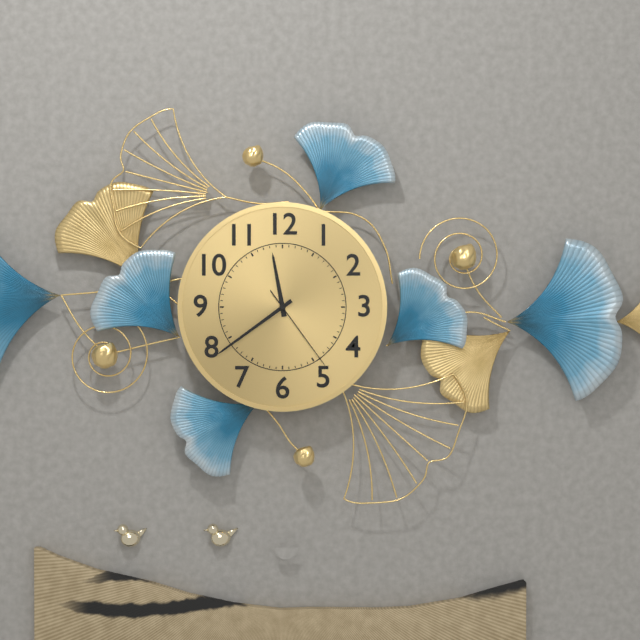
11 h 39 min 24 s
